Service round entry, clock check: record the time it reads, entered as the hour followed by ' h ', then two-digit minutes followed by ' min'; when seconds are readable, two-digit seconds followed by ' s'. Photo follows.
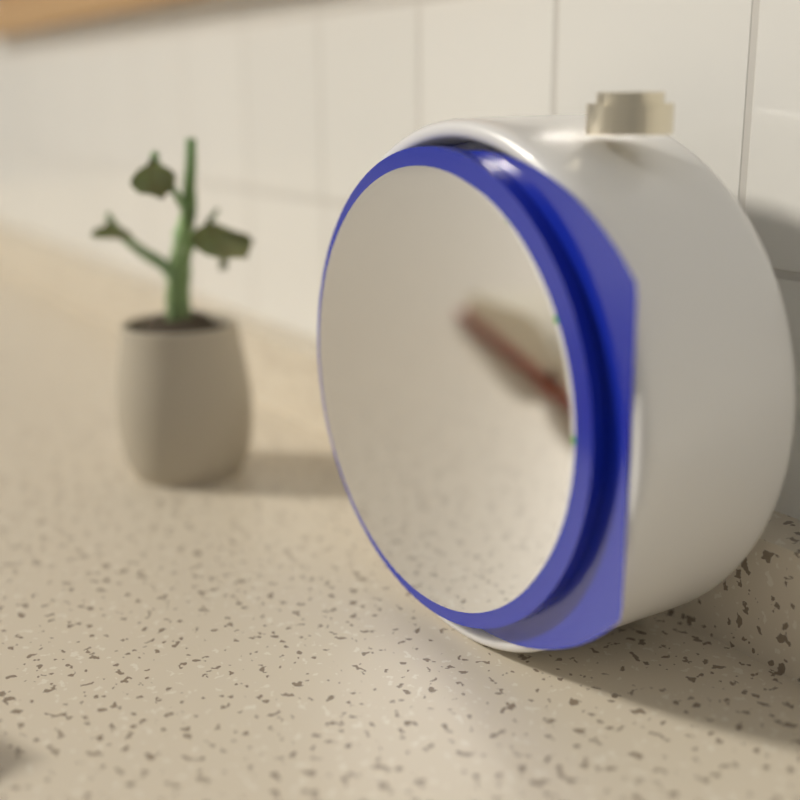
9 h 01 min 54 s
